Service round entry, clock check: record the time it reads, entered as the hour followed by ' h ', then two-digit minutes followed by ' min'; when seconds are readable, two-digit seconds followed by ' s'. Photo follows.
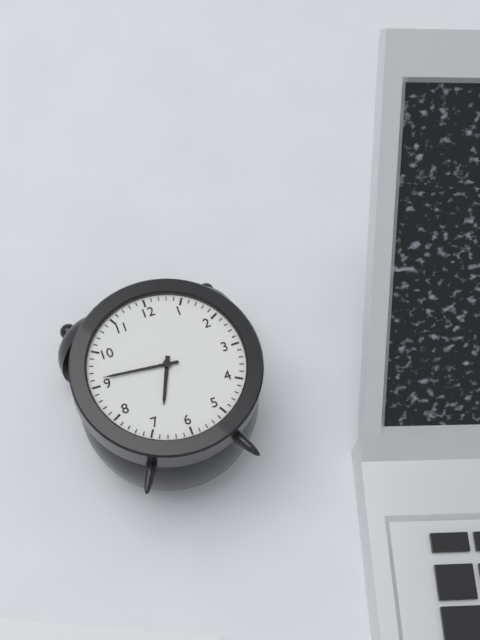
6 h 46 min
